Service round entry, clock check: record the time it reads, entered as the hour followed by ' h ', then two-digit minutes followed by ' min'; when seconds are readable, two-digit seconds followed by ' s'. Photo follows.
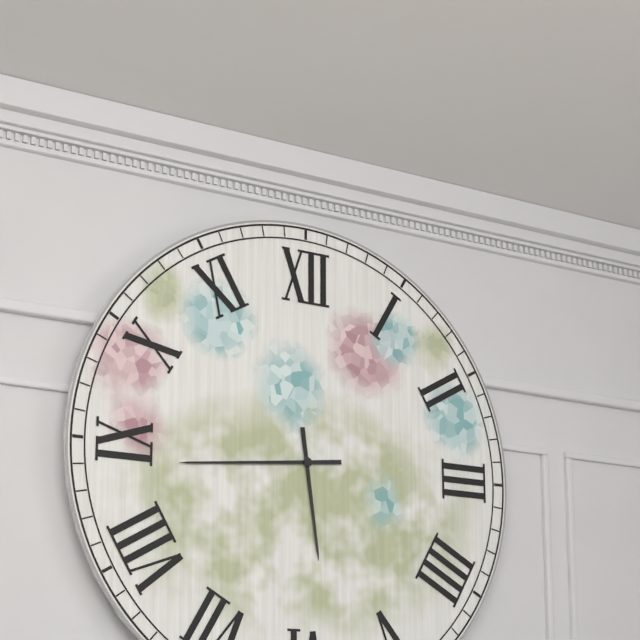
5 h 44 min
